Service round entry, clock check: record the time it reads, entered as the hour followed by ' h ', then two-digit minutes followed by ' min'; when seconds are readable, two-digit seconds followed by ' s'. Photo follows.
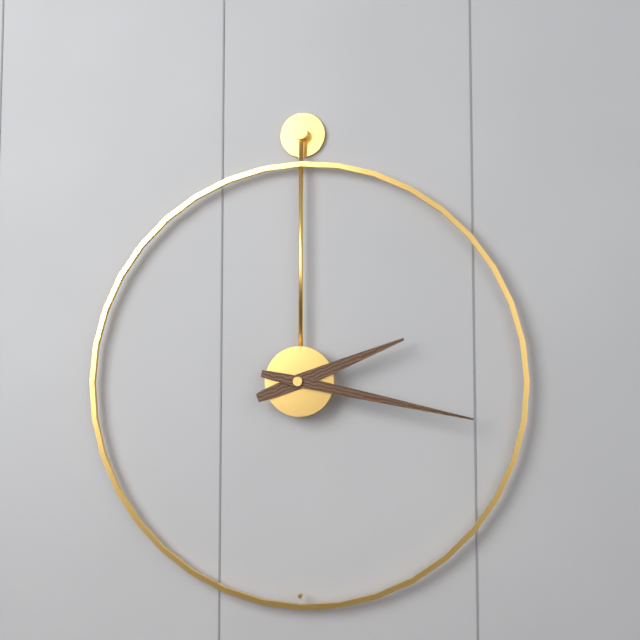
2 h 17 min
